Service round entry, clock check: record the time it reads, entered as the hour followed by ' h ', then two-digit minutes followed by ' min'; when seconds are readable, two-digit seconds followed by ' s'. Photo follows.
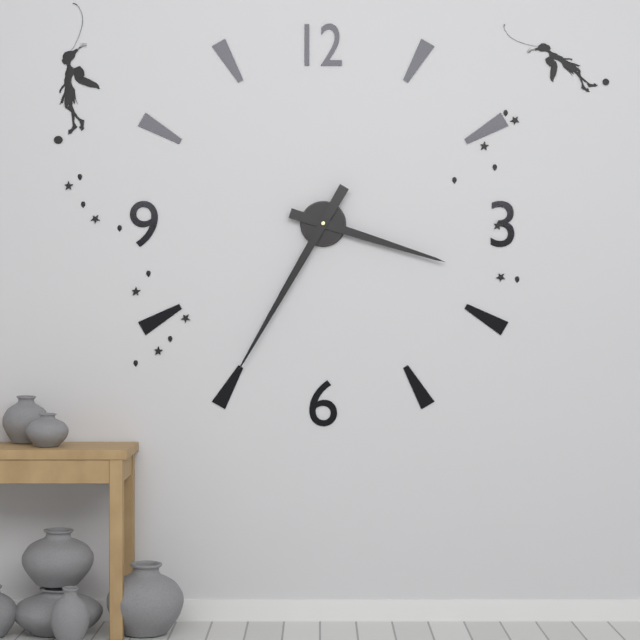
3 h 35 min
